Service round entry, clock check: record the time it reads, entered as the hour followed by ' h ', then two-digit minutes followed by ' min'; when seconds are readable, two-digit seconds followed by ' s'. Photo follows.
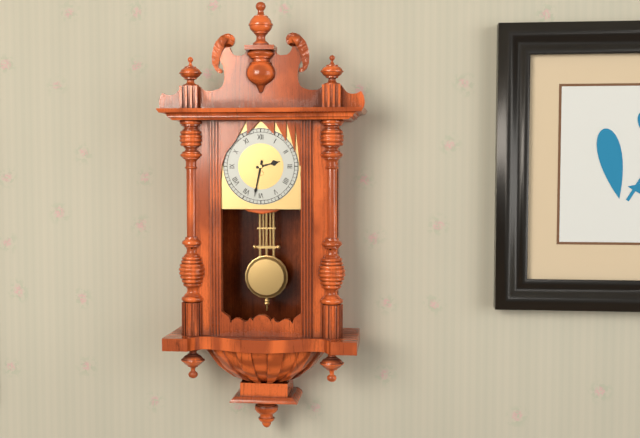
2 h 32 min
